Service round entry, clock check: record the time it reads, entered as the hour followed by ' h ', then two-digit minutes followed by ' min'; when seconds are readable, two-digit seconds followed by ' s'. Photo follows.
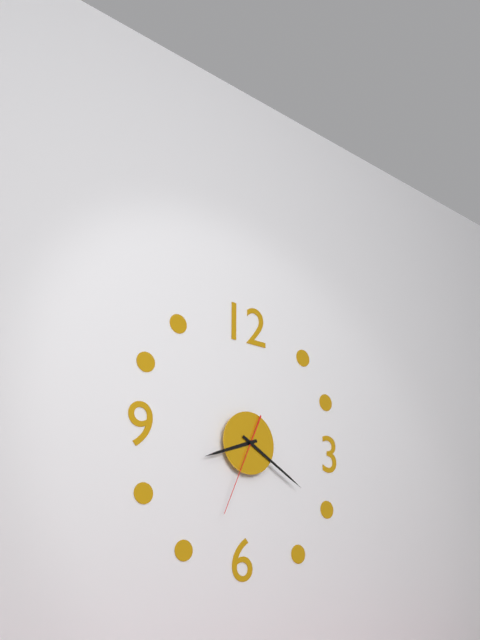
8 h 20 min 34 s
